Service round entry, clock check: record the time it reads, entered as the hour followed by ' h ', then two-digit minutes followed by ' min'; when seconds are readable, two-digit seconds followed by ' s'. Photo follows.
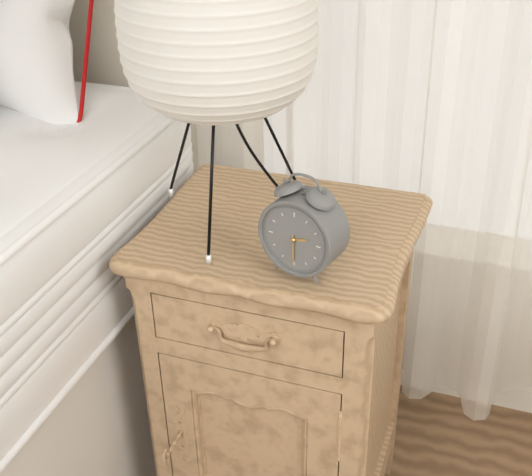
2 h 30 min
